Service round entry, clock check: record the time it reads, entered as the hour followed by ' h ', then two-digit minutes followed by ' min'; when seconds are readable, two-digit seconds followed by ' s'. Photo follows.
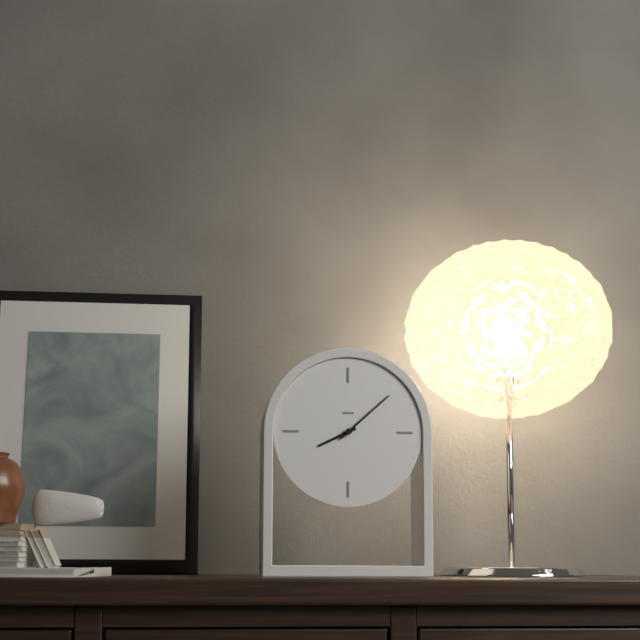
8 h 08 min
